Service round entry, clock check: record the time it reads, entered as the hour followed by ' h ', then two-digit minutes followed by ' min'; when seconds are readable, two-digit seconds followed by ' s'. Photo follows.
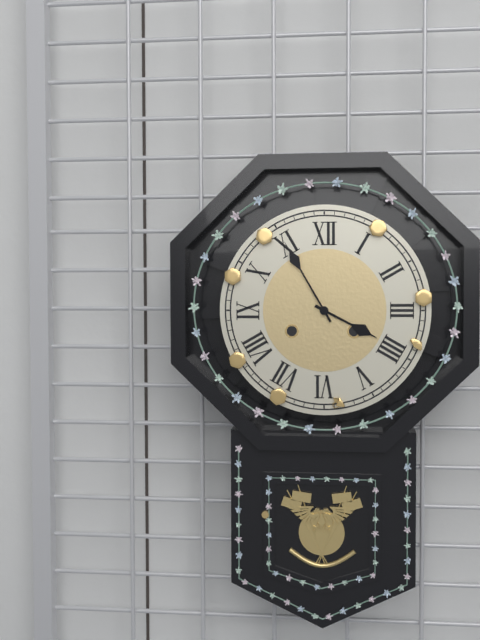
3 h 55 min
